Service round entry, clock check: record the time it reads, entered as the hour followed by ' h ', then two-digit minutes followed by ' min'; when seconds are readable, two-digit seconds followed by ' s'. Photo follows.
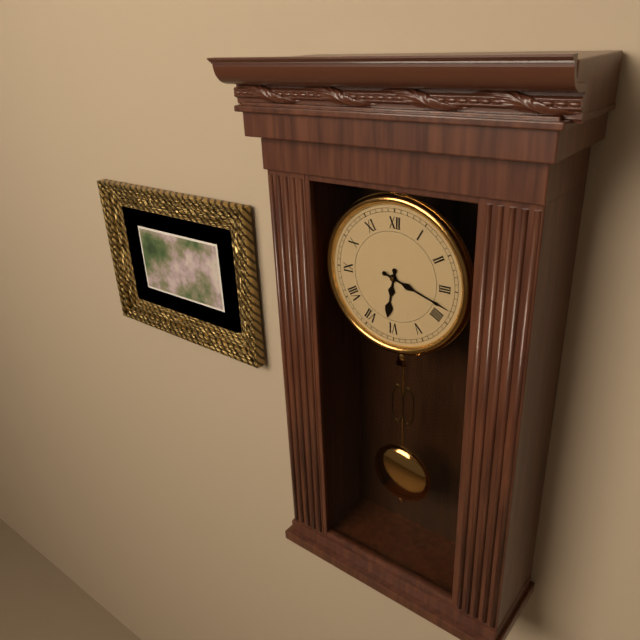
6 h 18 min
